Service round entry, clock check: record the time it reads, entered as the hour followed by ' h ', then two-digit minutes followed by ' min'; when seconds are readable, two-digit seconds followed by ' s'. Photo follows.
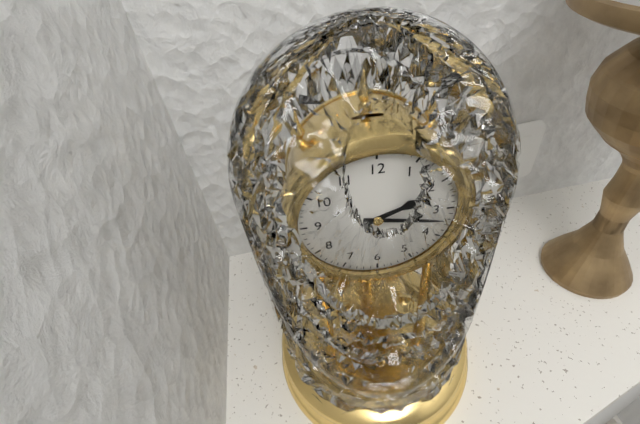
2 h 17 min
